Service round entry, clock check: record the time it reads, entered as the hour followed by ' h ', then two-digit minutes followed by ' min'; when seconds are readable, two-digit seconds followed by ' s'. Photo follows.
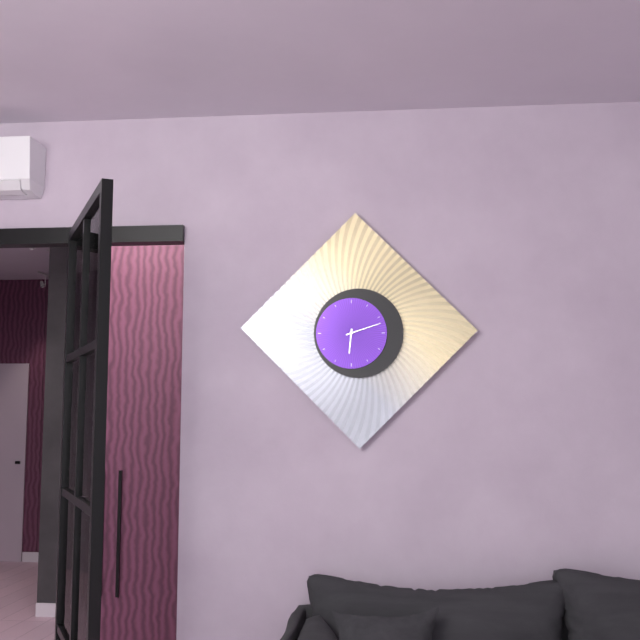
6 h 12 min
